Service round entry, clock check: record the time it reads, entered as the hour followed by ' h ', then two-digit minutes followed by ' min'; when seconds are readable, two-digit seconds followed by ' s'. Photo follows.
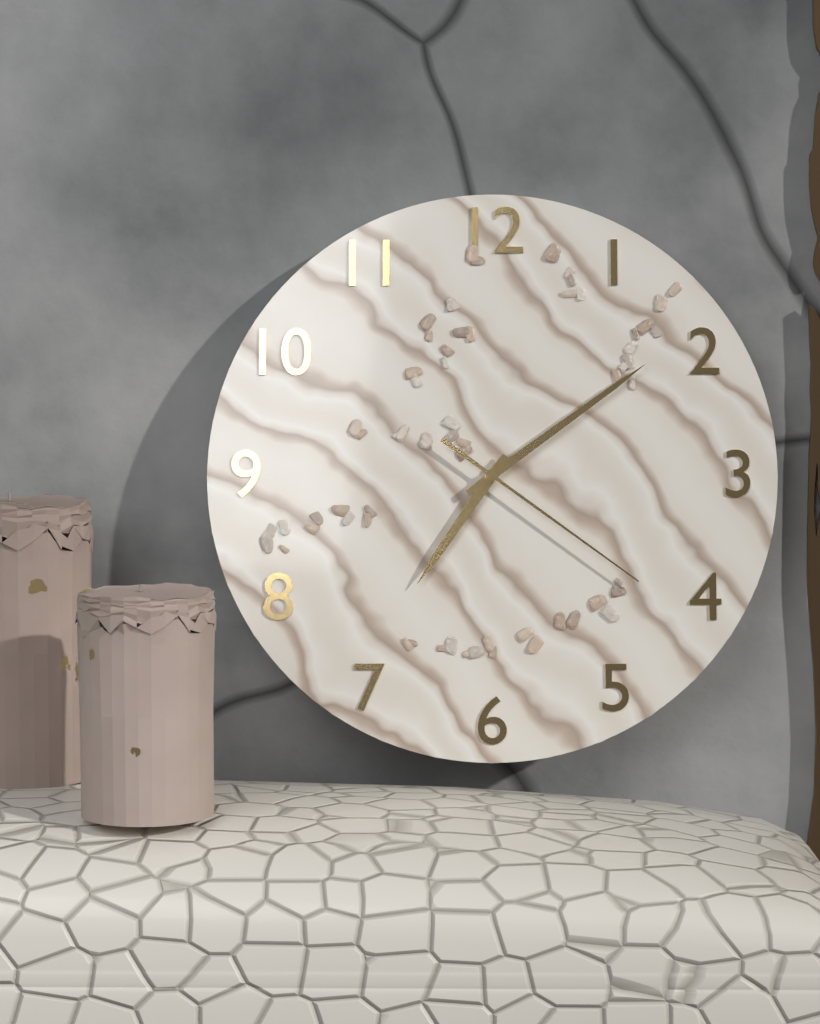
7 h 09 min 21 s
